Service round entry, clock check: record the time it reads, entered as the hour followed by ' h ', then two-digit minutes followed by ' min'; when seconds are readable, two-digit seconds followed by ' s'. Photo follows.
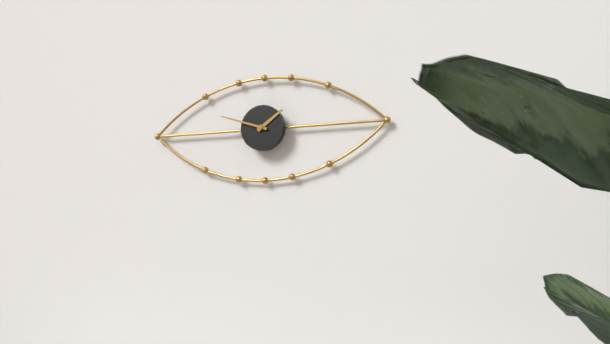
1 h 48 min
